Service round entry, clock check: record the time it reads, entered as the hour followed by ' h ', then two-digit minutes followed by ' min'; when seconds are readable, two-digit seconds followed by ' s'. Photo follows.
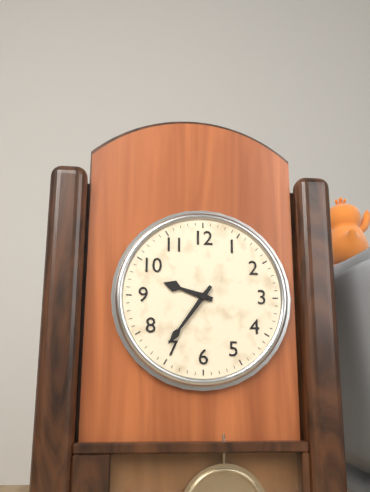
9 h 36 min
